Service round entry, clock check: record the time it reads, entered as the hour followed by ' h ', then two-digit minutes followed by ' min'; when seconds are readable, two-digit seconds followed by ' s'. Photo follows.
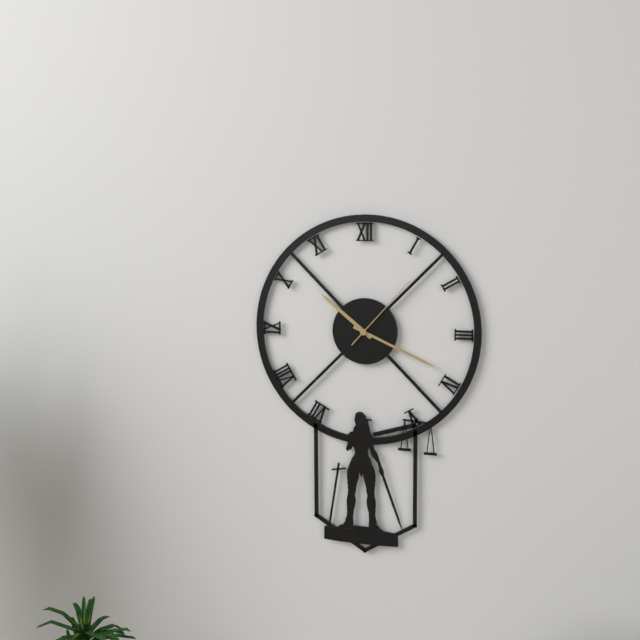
10 h 19 min 07 s
